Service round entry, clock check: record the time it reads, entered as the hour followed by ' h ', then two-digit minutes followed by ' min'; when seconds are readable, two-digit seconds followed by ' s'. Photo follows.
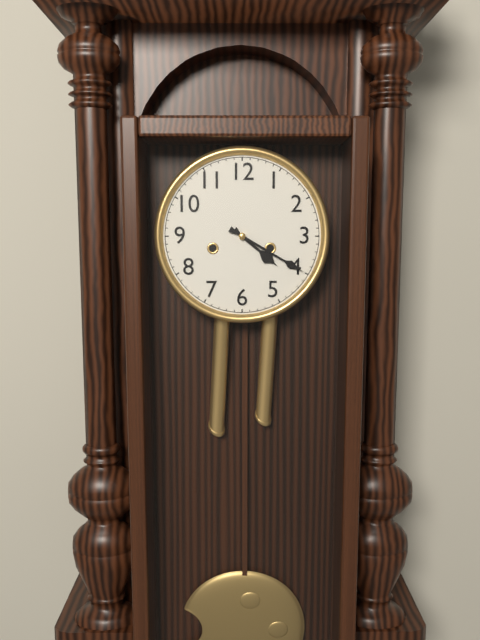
4 h 20 min
